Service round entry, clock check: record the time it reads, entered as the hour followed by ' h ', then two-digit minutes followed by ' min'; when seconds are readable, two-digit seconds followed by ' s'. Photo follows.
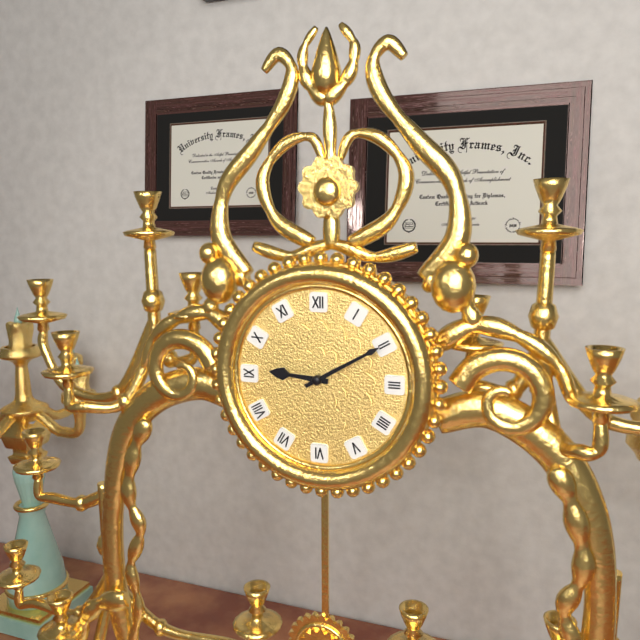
9 h 10 min
